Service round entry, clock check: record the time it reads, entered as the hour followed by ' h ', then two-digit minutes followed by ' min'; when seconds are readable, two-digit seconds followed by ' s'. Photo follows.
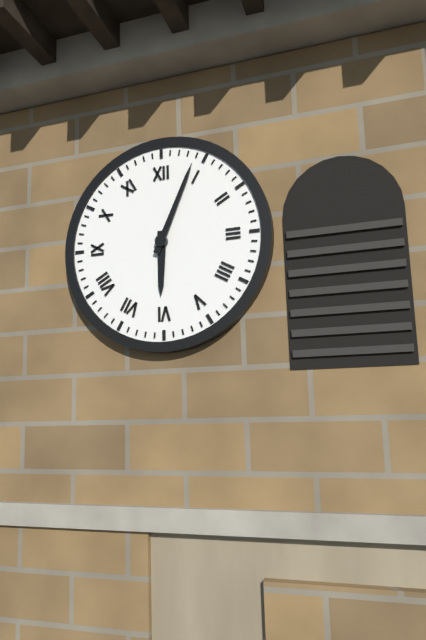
6 h 04 min
